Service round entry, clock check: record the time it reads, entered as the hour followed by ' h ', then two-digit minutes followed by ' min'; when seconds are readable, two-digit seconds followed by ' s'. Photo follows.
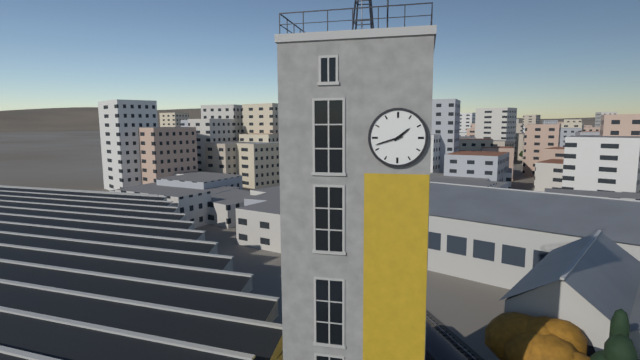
1 h 42 min
